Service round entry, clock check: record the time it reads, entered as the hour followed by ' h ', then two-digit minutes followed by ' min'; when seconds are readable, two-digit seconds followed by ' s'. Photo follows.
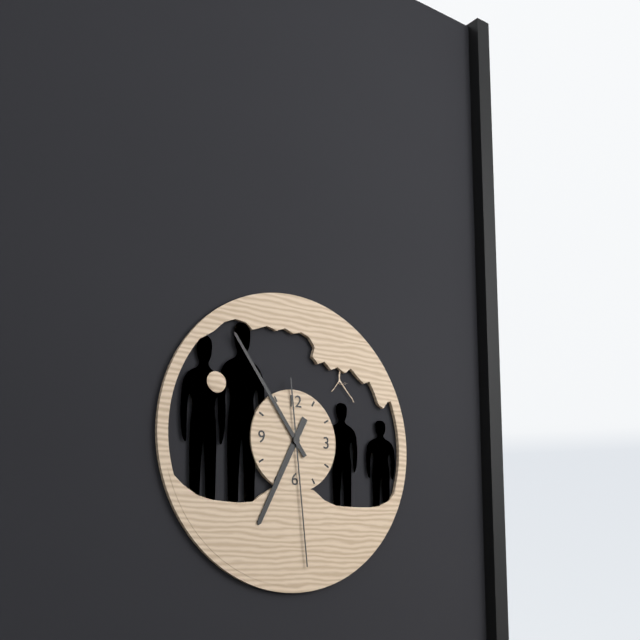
6 h 54 min 29 s
